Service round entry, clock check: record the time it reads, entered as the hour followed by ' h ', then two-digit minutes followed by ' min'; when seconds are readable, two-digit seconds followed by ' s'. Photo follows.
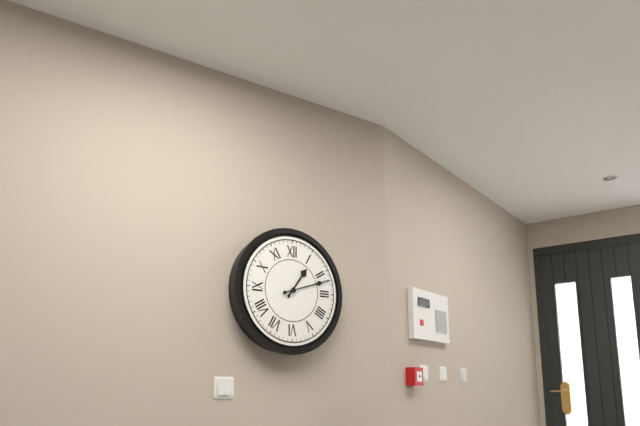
1 h 12 min
